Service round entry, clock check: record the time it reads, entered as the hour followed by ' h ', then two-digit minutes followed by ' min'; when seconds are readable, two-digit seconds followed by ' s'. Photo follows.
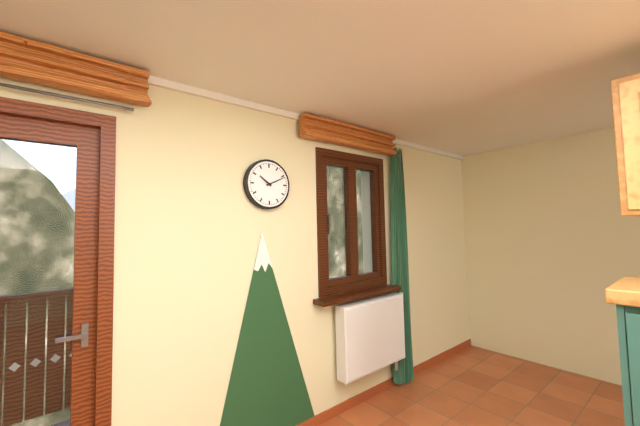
10 h 11 min
